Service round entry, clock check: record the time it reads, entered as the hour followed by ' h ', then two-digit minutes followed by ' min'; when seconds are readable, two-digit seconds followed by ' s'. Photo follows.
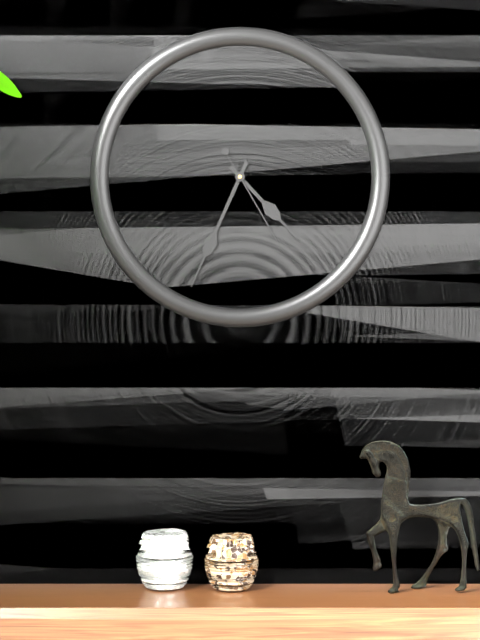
4 h 34 min 25 s
